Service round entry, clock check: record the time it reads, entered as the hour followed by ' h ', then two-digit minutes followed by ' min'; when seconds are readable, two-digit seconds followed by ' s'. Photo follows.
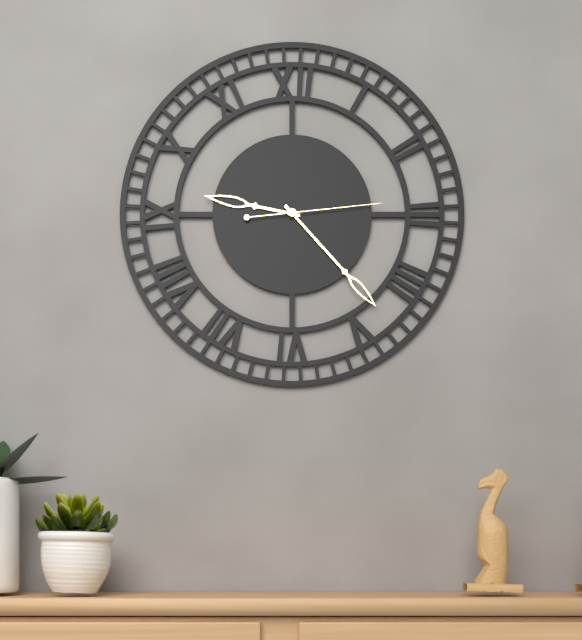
9 h 23 min 14 s
